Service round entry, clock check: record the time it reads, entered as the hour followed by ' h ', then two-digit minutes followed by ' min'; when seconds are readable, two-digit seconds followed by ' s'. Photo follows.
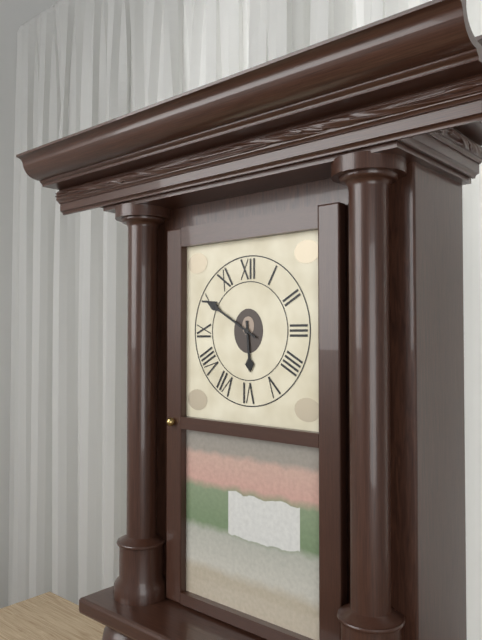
5 h 50 min
